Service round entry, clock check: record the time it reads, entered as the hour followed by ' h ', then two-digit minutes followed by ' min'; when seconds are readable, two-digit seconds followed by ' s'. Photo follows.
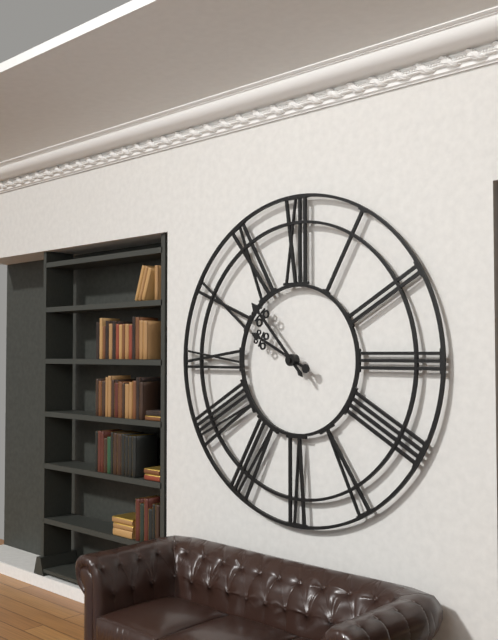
9 h 53 min
